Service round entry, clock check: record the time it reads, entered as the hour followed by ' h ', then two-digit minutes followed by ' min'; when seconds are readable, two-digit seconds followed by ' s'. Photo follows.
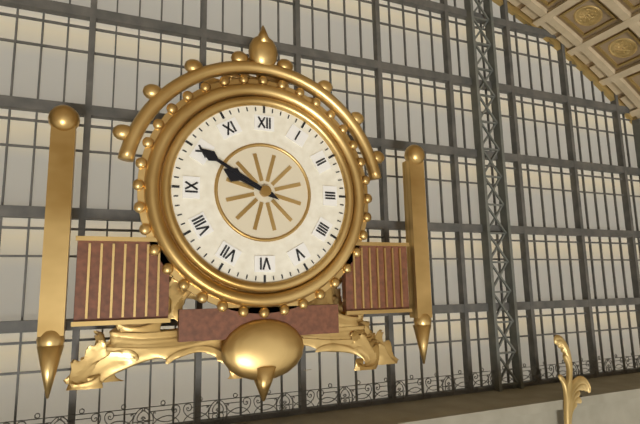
9 h 50 min
